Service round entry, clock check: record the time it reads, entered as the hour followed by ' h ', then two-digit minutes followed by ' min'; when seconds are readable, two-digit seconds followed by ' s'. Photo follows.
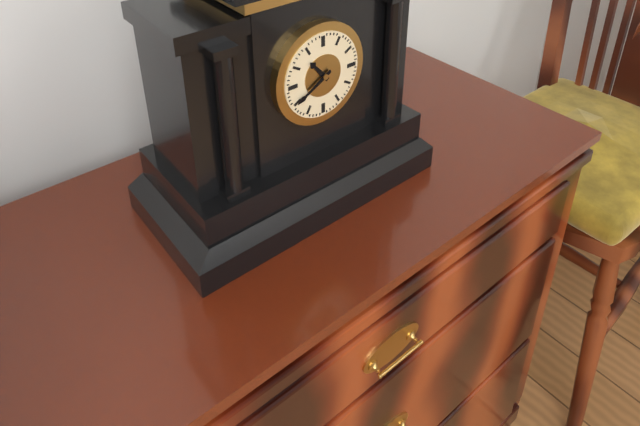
10 h 40 min
